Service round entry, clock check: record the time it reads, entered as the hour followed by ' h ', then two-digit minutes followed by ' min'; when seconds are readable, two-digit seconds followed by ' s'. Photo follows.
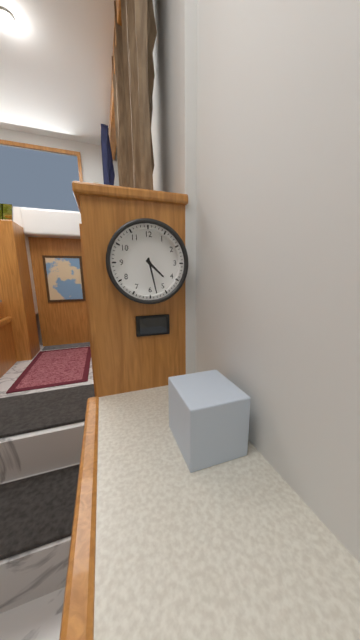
4 h 28 min
